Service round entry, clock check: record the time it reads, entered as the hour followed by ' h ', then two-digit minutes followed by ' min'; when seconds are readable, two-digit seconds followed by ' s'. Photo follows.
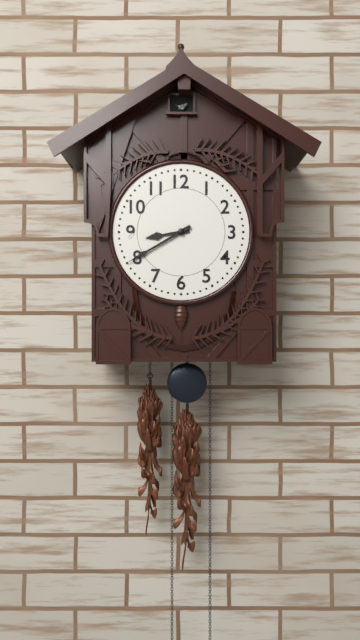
8 h 40 min
